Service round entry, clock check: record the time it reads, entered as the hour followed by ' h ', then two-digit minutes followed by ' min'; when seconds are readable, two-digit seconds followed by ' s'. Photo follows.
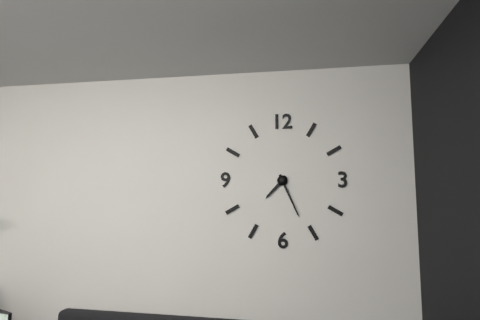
7 h 26 min
